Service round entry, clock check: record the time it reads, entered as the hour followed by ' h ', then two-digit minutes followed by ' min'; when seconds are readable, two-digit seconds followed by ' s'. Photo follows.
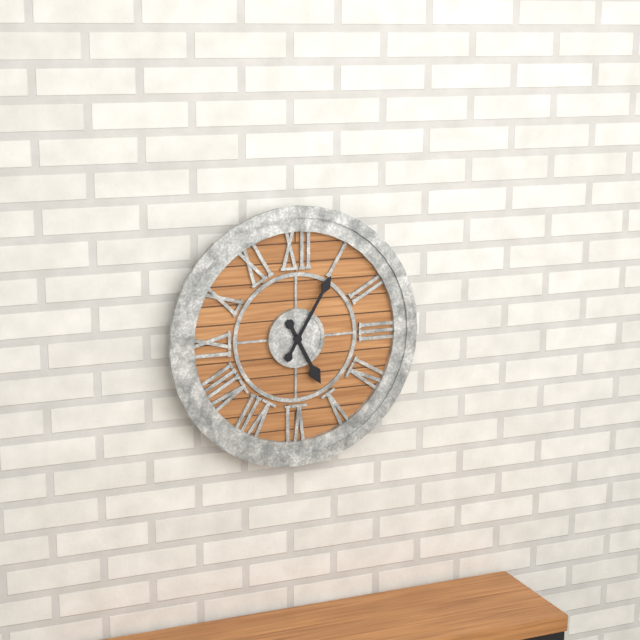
5 h 05 min
